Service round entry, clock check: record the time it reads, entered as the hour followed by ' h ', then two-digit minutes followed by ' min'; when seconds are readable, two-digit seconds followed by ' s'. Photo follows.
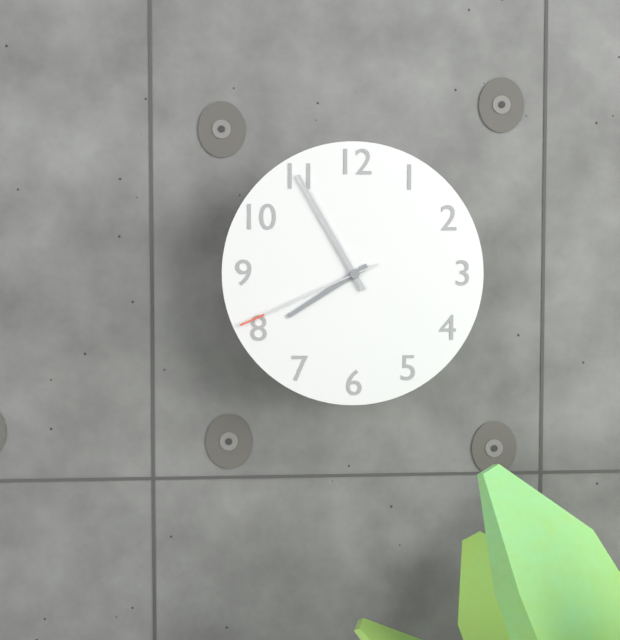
7 h 55 min 41 s
